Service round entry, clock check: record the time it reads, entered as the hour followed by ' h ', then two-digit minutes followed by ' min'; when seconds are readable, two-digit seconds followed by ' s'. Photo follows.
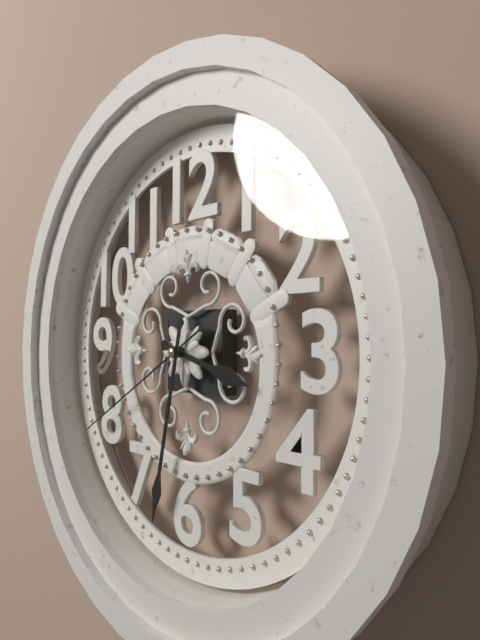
3 h 32 min 40 s
